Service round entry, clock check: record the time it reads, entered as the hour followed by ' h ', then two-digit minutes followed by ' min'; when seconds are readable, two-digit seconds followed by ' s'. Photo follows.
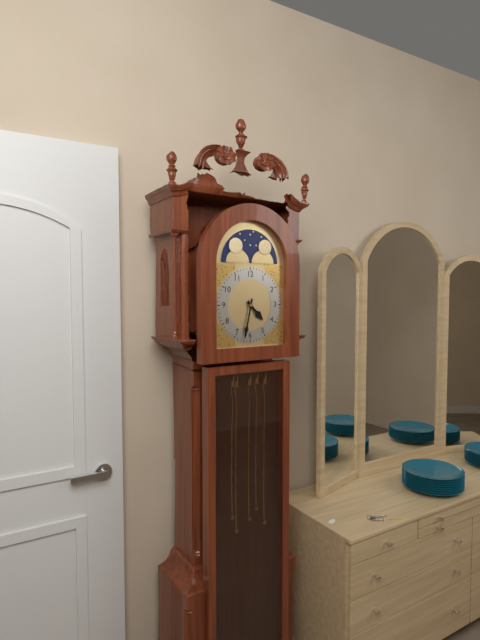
4 h 32 min
